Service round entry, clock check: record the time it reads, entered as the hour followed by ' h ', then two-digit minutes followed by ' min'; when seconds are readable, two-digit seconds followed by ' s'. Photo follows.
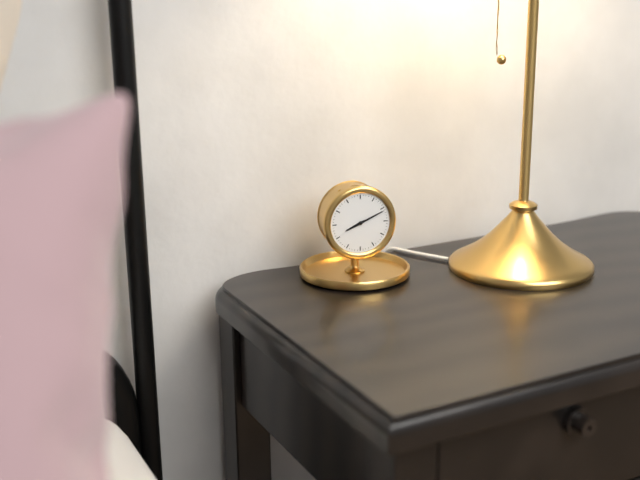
8 h 11 min
